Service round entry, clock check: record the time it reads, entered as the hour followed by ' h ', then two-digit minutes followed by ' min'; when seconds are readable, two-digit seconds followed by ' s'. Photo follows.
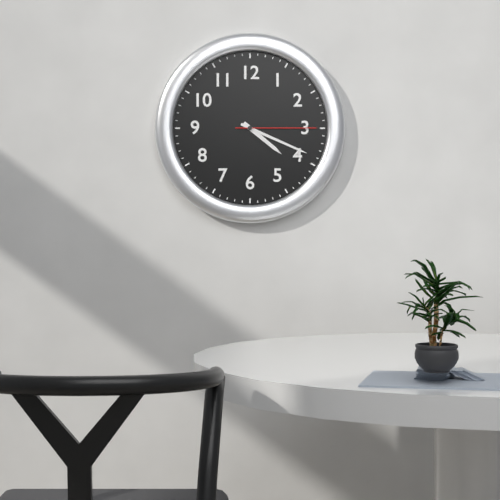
4 h 19 min 15 s
